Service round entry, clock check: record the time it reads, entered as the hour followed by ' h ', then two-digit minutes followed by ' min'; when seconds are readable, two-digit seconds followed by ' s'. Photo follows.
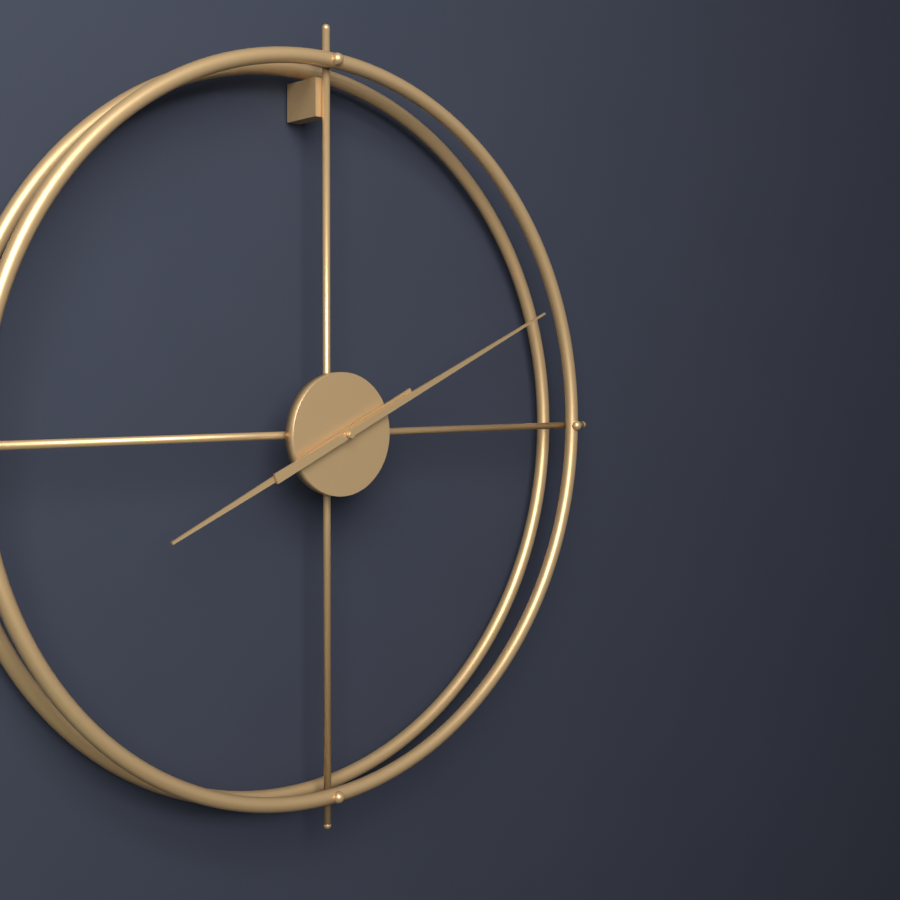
8 h 11 min
